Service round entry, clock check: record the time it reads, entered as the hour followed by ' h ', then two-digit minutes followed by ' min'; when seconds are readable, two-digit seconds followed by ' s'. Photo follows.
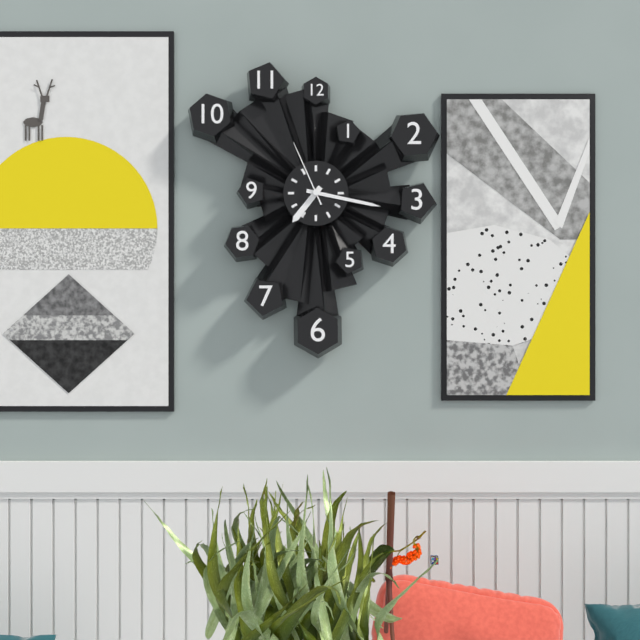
7 h 17 min 56 s
